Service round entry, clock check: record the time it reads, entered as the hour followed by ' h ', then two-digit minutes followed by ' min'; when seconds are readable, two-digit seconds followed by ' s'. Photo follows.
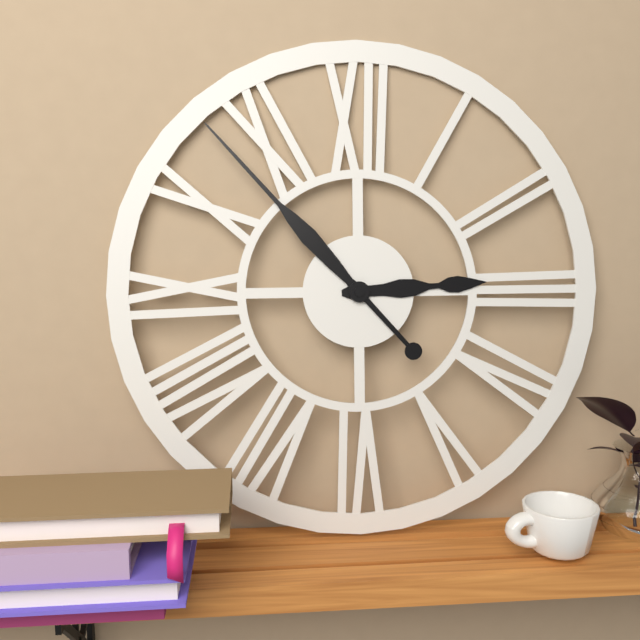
2 h 53 min
